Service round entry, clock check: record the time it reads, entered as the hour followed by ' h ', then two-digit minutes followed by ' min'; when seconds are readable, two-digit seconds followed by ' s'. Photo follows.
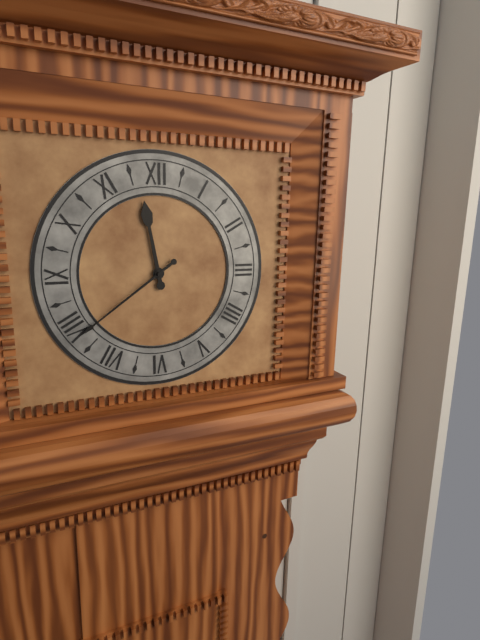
11 h 39 min
